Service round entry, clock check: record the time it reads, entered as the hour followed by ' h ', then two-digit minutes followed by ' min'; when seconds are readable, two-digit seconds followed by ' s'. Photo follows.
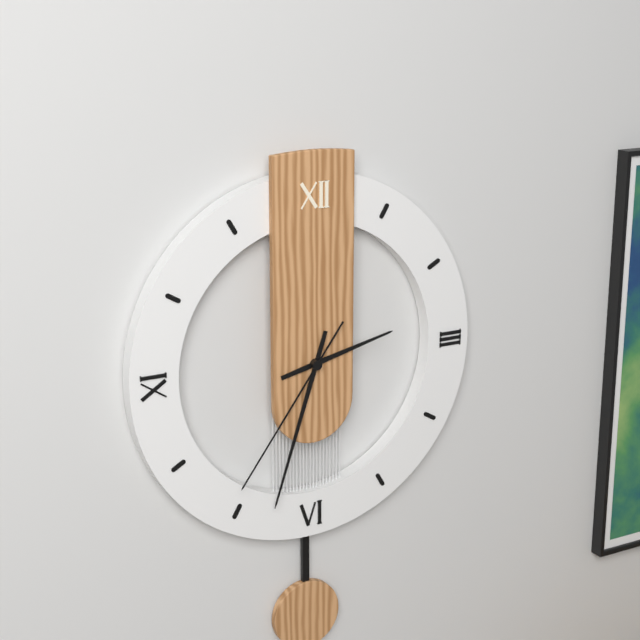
2 h 33 min 36 s
